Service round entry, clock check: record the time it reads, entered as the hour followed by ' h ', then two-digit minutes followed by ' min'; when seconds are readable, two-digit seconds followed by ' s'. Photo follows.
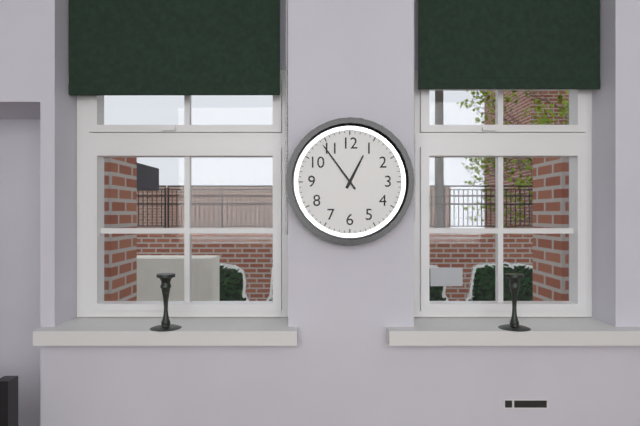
12 h 54 min
